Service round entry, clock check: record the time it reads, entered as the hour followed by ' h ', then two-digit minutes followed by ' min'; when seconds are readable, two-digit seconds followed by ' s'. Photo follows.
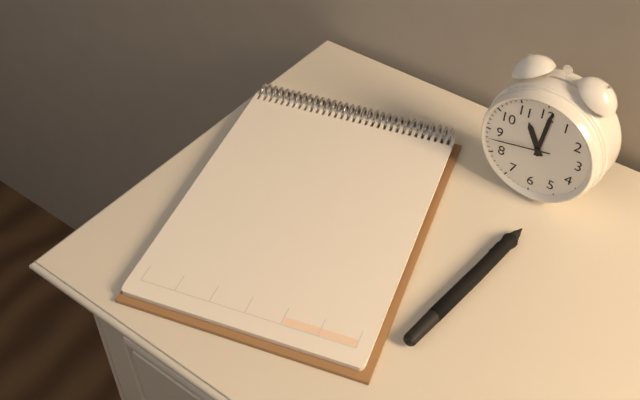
11 h 01 min 43 s
